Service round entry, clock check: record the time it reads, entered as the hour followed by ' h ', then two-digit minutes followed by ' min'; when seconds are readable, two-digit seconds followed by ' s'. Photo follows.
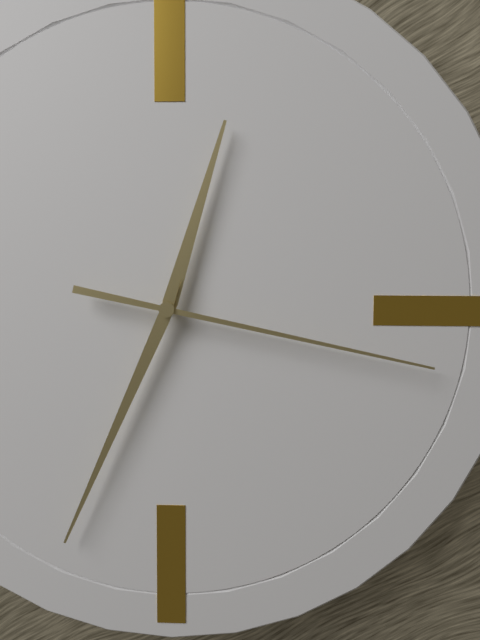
12 h 34 min 17 s
